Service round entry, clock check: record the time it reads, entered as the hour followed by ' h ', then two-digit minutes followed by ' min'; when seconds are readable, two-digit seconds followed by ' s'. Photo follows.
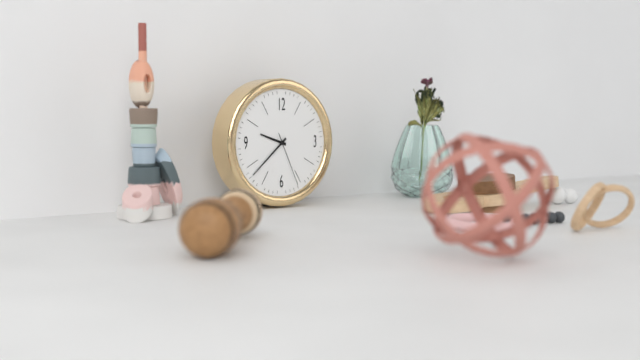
9 h 38 min 26 s
